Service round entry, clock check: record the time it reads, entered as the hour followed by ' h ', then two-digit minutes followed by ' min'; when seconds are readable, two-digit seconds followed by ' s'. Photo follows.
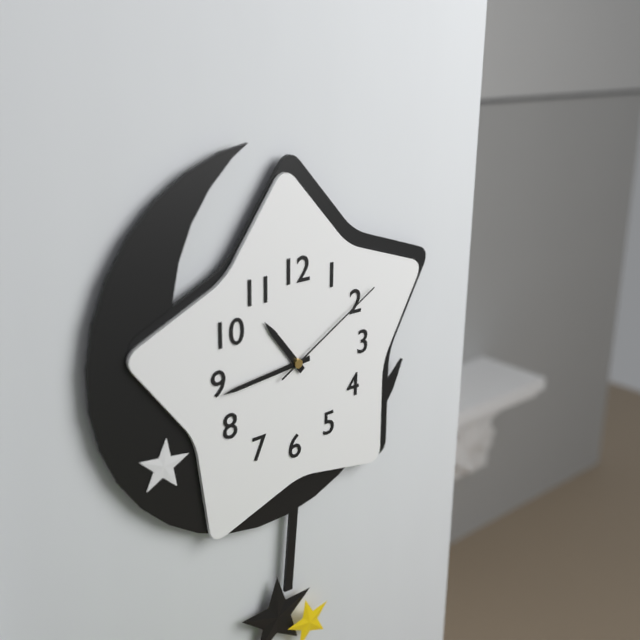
10 h 44 min 10 s
